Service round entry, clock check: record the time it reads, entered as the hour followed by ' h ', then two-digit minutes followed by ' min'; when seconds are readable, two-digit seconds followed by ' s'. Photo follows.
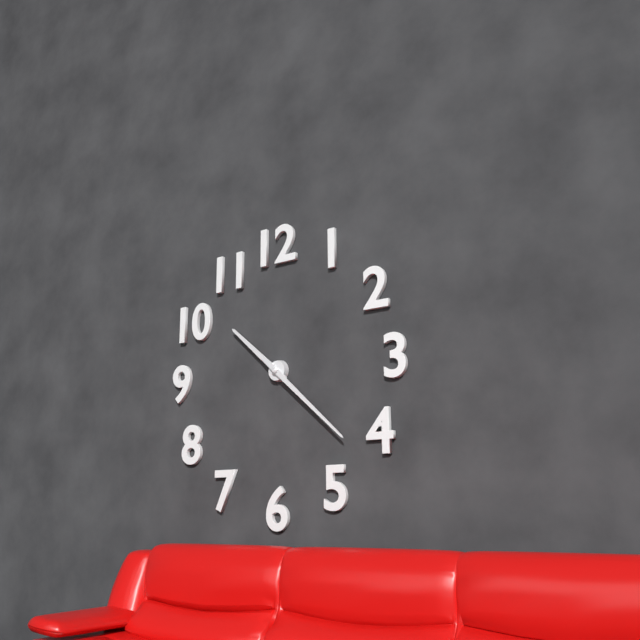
10 h 22 min
